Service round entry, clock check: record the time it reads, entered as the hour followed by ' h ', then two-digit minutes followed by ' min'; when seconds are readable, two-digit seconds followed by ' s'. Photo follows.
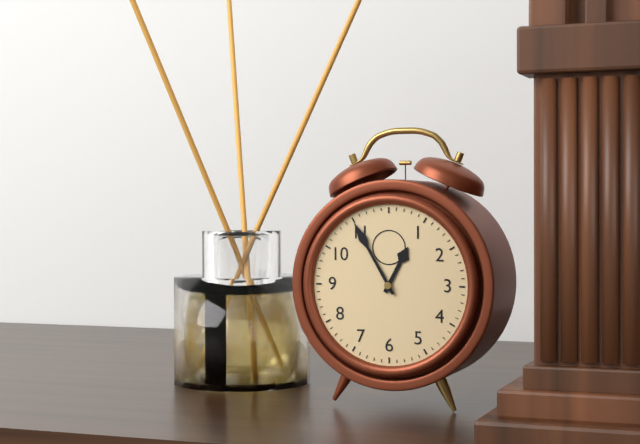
12 h 55 min
